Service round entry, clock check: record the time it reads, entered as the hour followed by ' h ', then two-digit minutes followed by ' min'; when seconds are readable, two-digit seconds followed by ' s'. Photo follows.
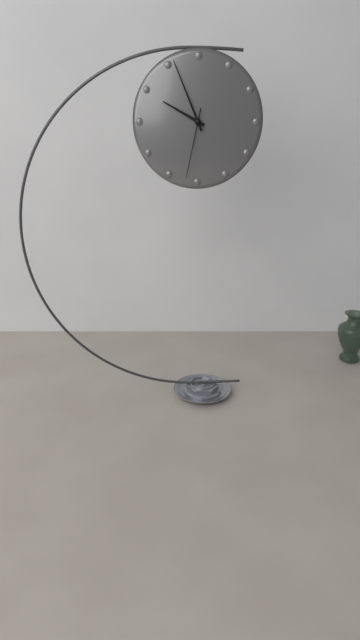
9 h 56 min 32 s
